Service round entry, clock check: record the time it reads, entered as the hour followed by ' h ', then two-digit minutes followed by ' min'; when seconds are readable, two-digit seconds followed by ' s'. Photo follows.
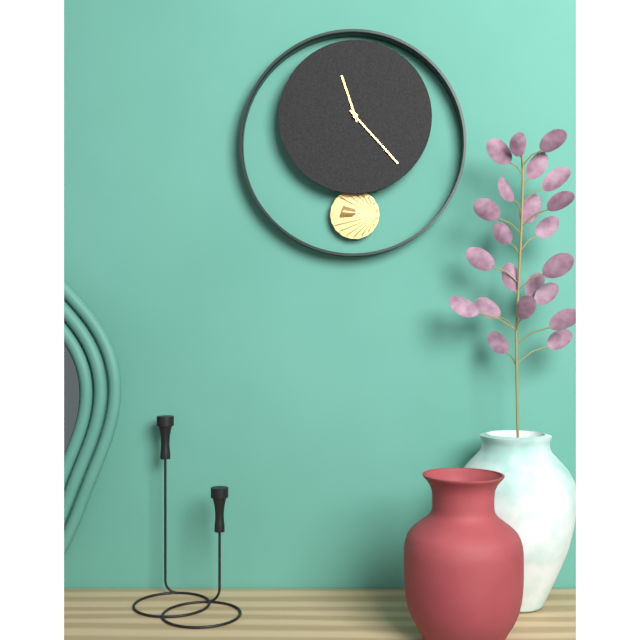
11 h 23 min
